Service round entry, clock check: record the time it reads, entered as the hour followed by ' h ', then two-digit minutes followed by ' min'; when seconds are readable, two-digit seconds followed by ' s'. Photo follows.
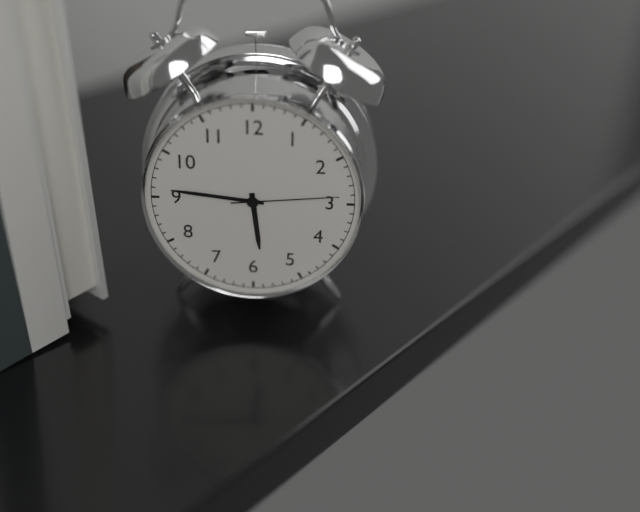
5 h 46 min 14 s
